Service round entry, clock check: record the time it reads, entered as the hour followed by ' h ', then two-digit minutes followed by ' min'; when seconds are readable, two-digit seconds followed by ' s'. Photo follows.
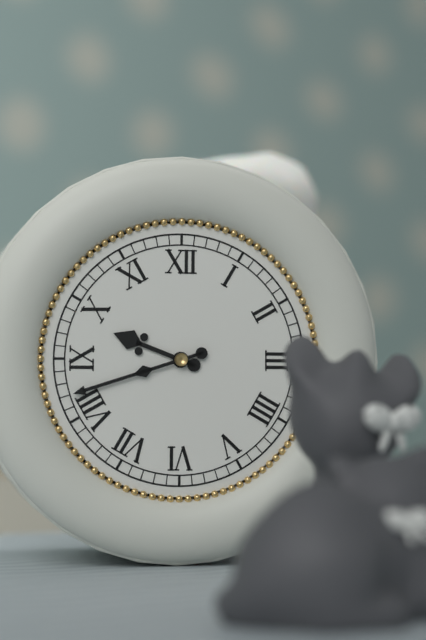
9 h 42 min
